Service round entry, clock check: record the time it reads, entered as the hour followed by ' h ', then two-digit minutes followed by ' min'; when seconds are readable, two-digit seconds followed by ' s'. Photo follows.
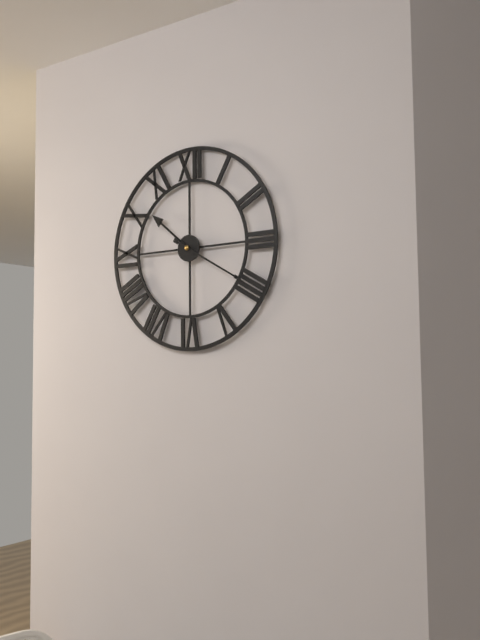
10 h 20 min
